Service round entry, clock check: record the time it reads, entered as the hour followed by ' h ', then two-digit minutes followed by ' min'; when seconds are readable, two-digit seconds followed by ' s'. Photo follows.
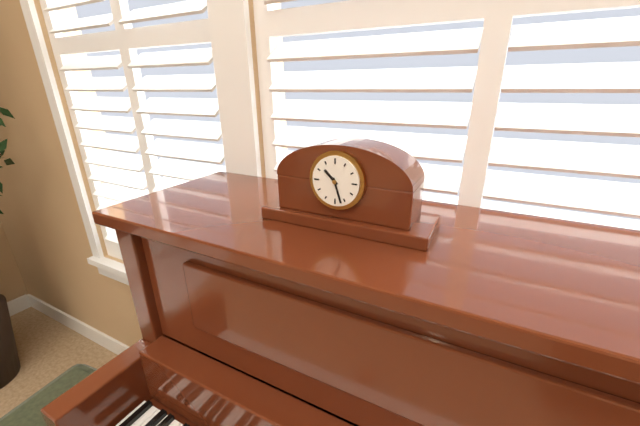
10 h 27 min
